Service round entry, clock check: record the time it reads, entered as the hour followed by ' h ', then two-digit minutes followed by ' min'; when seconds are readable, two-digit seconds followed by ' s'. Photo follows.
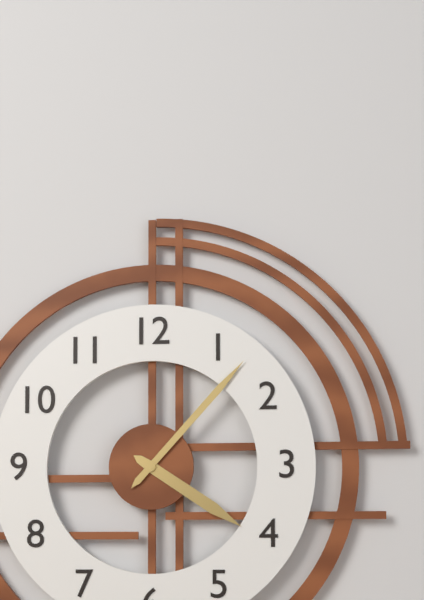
4 h 07 min
